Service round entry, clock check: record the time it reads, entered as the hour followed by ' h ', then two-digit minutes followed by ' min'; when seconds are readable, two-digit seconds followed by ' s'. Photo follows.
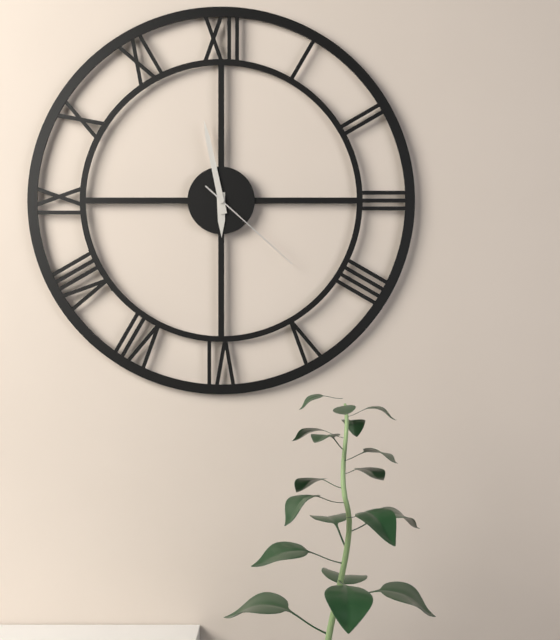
5 h 58 min 22 s
